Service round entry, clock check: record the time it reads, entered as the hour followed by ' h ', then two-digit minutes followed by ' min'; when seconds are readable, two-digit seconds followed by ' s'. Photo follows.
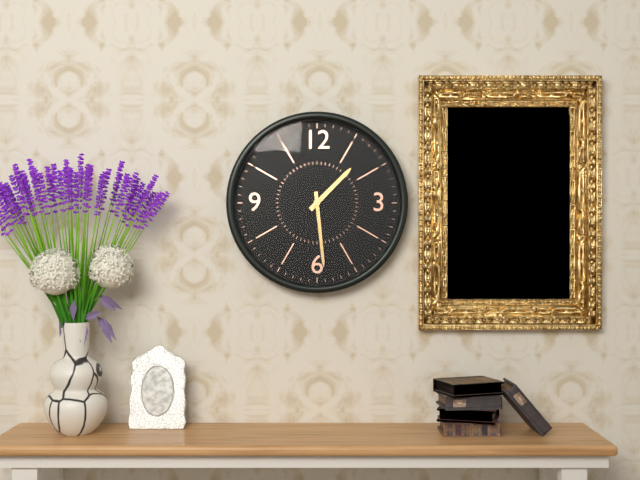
1 h 29 min
